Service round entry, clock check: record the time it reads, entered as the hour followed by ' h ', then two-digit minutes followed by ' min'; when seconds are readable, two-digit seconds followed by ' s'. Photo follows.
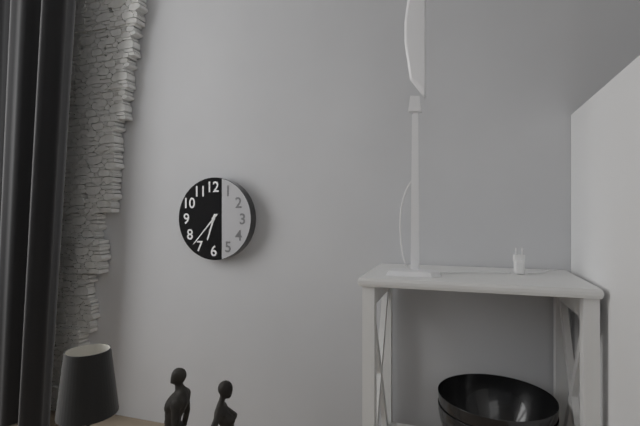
6 h 37 min
